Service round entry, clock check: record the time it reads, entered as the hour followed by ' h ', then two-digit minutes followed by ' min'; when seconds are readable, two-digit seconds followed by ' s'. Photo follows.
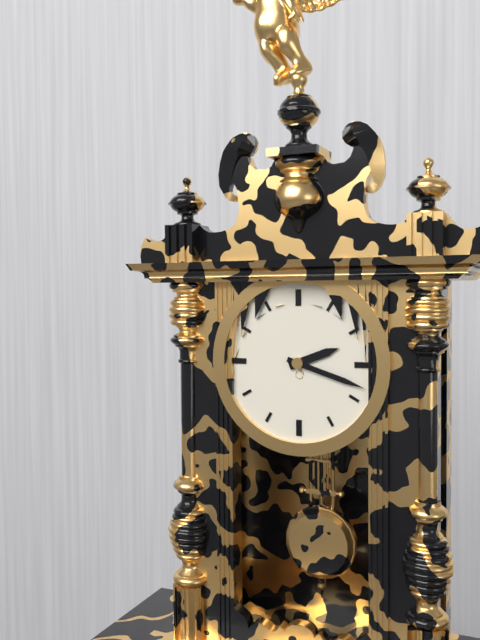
2 h 18 min
